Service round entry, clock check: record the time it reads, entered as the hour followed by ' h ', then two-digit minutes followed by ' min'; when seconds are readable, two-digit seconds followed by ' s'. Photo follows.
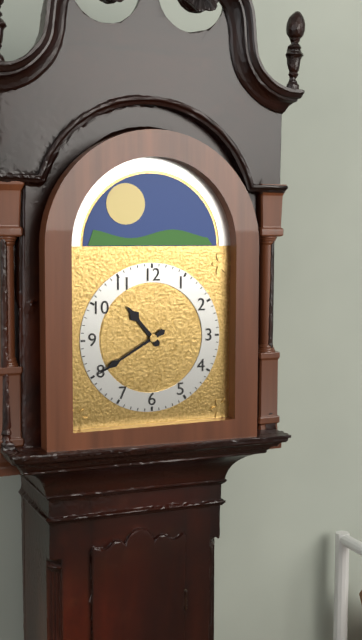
10 h 40 min
